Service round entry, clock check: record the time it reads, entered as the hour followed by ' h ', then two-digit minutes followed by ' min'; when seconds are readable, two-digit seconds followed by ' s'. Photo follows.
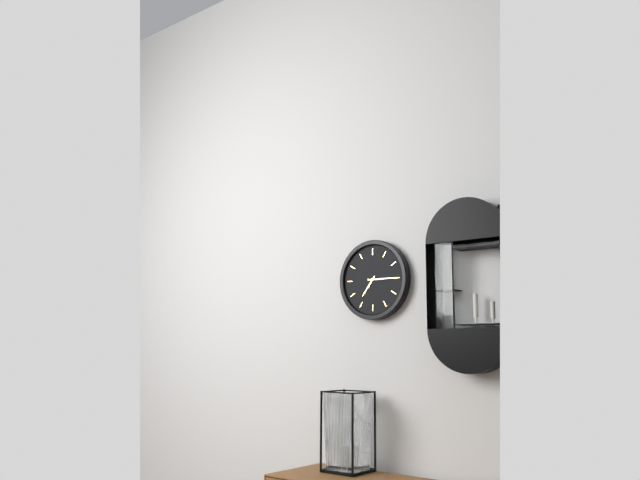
7 h 15 min
